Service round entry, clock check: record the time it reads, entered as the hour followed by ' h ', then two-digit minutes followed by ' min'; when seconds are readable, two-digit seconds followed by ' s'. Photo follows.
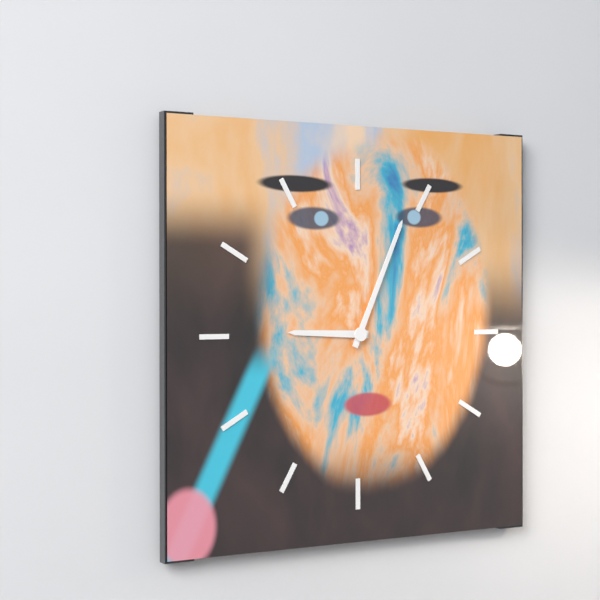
9 h 04 min
